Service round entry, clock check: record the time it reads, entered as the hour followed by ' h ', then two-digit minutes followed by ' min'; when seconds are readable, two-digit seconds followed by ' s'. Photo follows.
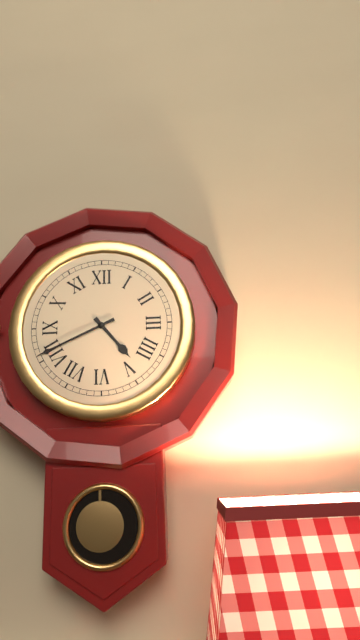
4 h 41 min
